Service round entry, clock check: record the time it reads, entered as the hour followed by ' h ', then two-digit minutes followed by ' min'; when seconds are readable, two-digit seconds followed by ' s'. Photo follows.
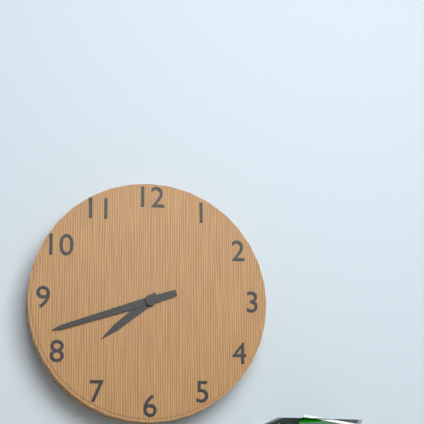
7 h 42 min
